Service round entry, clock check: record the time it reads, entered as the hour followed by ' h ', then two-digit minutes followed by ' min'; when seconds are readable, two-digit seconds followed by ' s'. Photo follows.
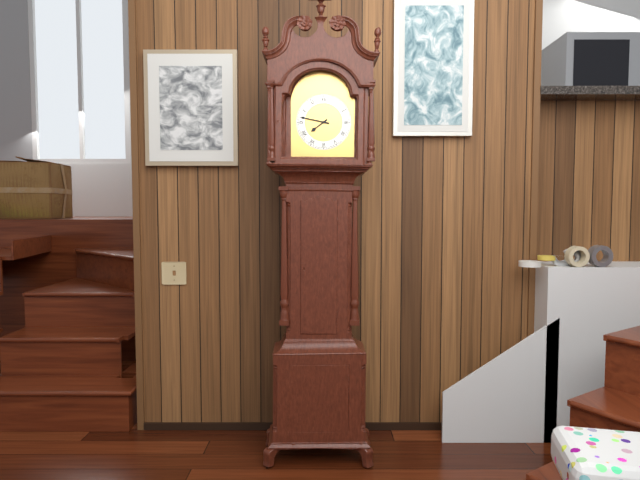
7 h 47 min
